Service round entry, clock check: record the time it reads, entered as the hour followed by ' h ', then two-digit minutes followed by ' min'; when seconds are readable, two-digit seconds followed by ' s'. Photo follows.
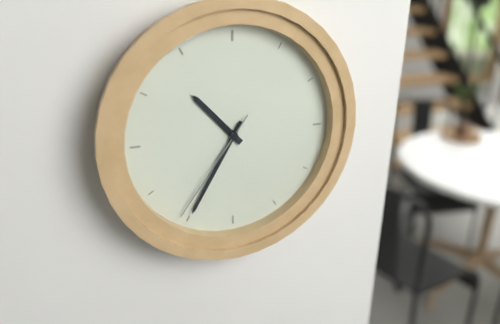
10 h 35 min 36 s
